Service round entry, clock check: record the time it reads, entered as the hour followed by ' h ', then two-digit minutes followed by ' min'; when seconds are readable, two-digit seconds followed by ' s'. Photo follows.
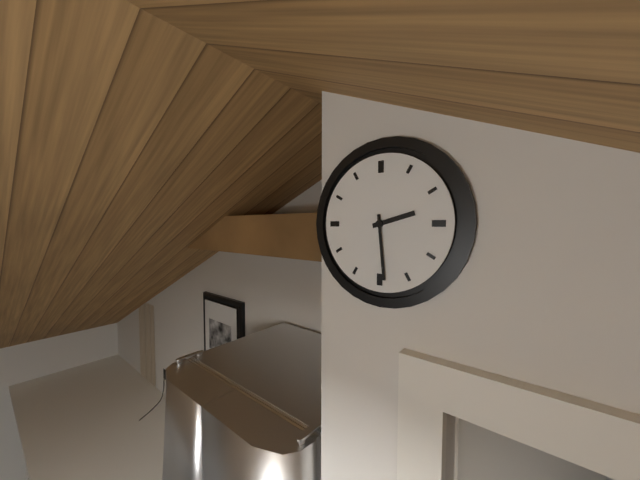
2 h 29 min
